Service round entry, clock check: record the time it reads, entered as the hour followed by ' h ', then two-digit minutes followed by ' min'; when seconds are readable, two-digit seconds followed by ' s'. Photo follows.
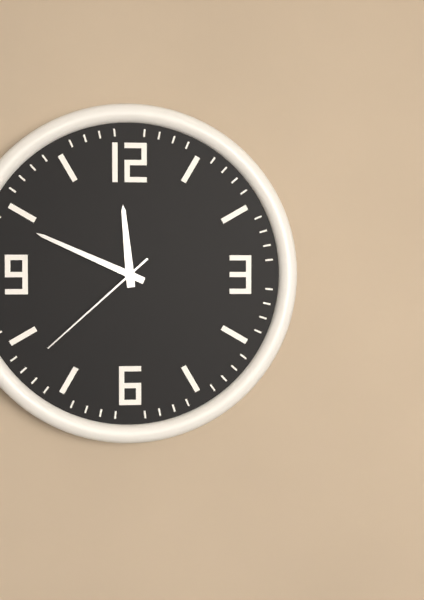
11 h 49 min 38 s
